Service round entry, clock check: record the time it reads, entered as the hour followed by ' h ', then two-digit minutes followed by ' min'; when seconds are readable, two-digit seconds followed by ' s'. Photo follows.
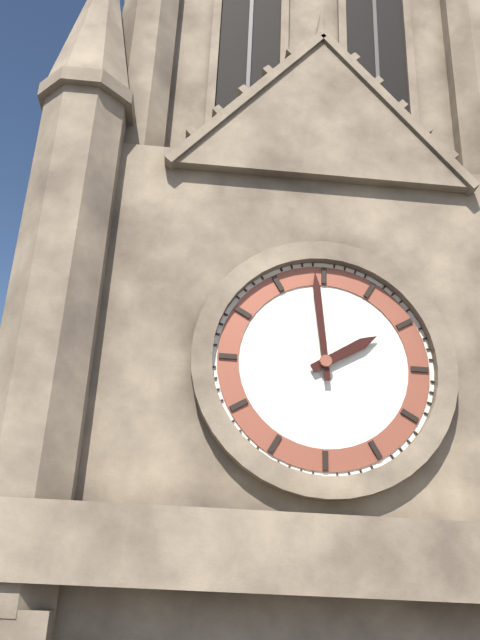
1 h 59 min
